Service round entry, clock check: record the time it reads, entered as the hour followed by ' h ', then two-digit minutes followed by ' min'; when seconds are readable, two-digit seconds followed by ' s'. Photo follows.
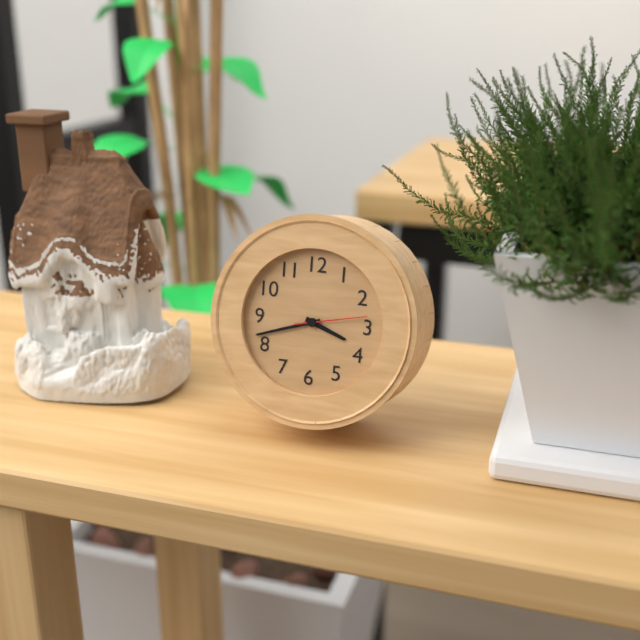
3 h 42 min 13 s
